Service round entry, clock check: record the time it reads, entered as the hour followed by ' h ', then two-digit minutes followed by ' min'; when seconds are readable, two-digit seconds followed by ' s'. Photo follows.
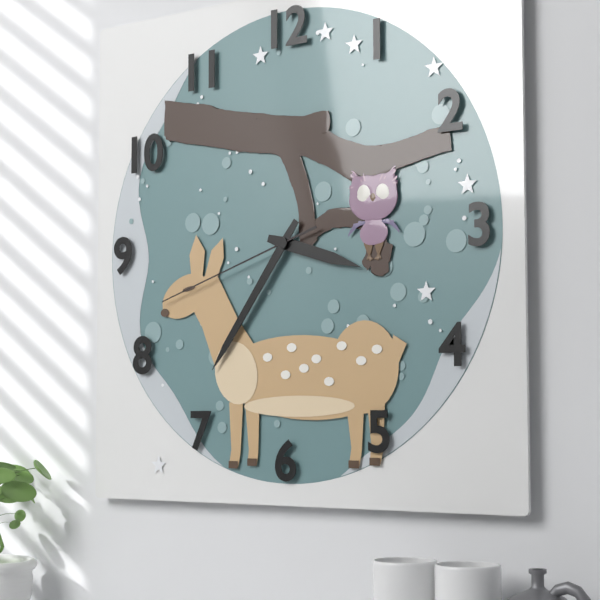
3 h 36 min 42 s
